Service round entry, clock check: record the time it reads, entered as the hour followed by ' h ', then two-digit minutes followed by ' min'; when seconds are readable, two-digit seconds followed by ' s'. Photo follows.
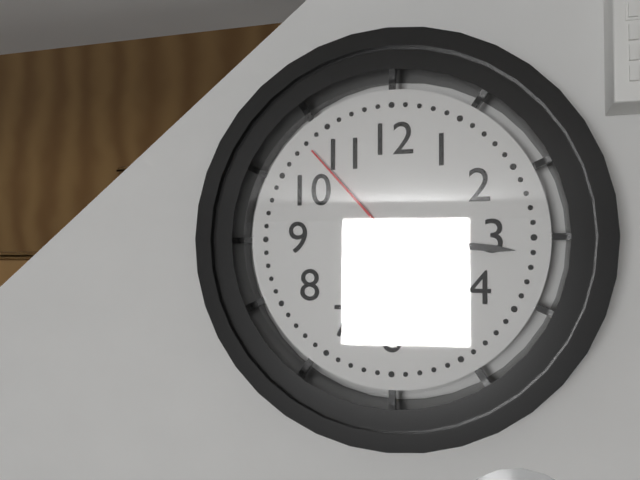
4 h 16 min 53 s
